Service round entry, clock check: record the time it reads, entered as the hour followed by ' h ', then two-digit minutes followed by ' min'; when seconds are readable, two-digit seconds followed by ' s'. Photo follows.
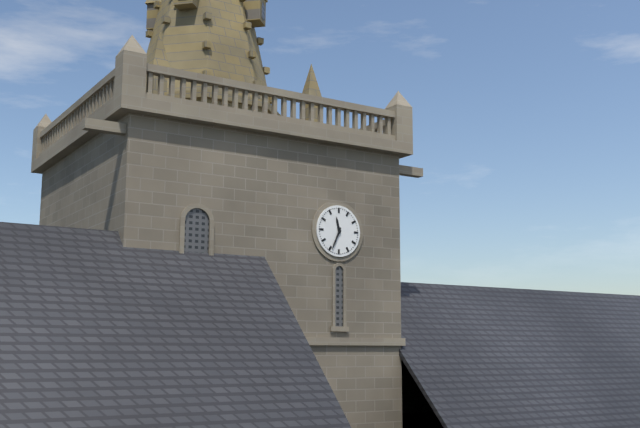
11 h 34 min
